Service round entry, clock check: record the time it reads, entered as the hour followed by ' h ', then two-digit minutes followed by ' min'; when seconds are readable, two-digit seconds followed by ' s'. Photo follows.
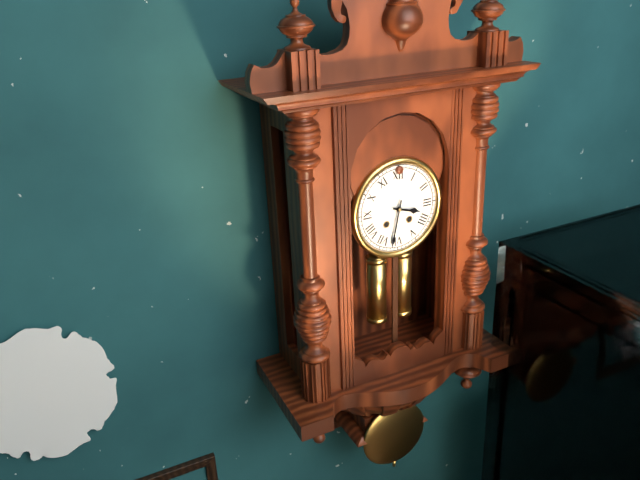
3 h 32 min
